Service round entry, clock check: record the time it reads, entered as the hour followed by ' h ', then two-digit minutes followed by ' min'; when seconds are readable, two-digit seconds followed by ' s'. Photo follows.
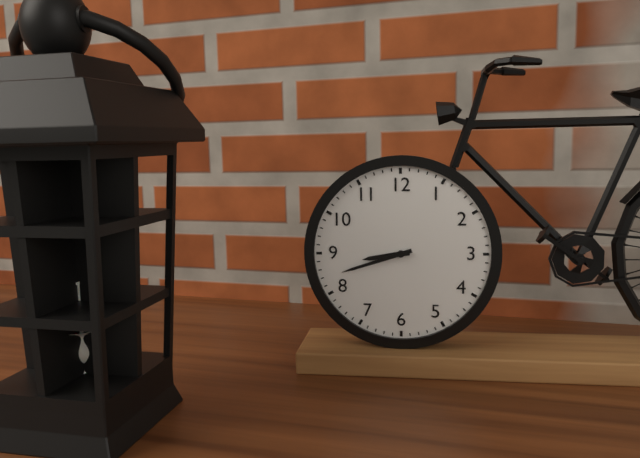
8 h 42 min
